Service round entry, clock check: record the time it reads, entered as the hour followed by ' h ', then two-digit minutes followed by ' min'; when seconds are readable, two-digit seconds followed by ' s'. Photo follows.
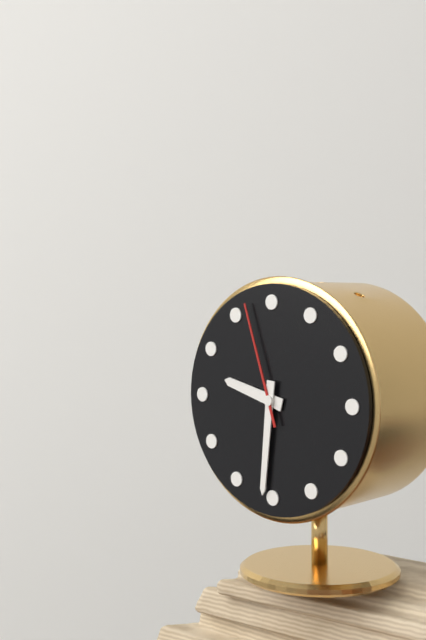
9 h 31 min 57 s
